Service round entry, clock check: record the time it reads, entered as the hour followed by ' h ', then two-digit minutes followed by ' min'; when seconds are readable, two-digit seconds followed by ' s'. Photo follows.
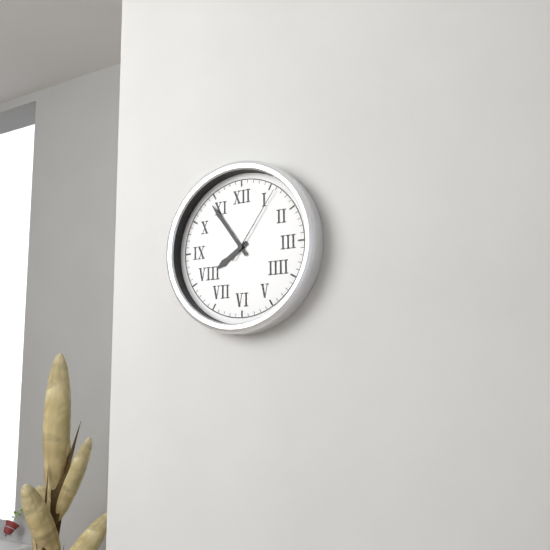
7 h 54 min 06 s
